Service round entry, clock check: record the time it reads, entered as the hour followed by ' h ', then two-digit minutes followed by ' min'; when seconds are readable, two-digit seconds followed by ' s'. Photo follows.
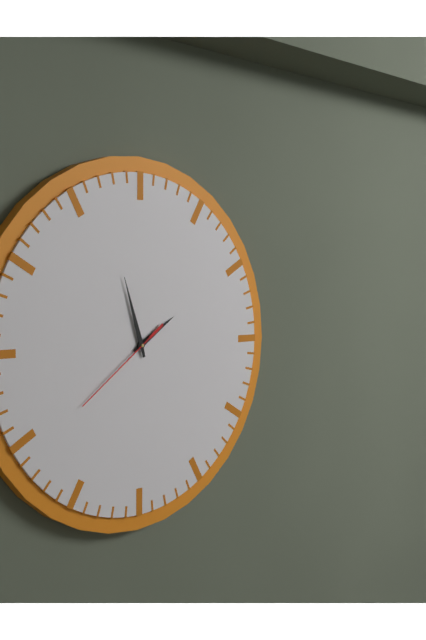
1 h 57 min 39 s
